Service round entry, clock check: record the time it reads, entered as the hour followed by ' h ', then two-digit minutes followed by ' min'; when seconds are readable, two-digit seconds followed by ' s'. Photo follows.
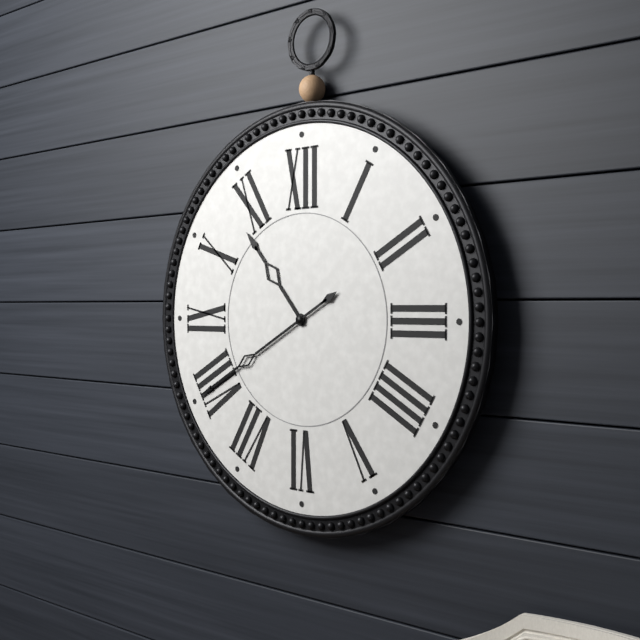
10 h 40 min
